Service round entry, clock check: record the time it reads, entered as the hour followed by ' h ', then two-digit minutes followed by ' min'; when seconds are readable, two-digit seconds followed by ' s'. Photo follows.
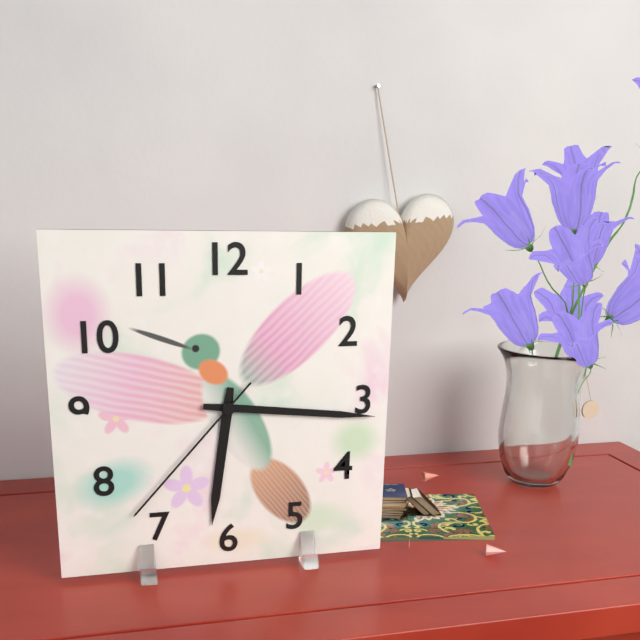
6 h 16 min 37 s
